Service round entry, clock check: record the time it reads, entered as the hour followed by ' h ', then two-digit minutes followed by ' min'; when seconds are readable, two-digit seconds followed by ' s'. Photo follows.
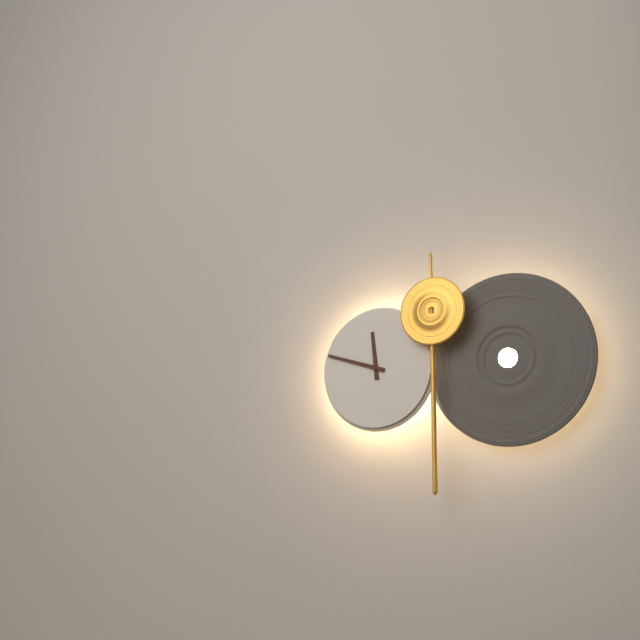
11 h 48 min
